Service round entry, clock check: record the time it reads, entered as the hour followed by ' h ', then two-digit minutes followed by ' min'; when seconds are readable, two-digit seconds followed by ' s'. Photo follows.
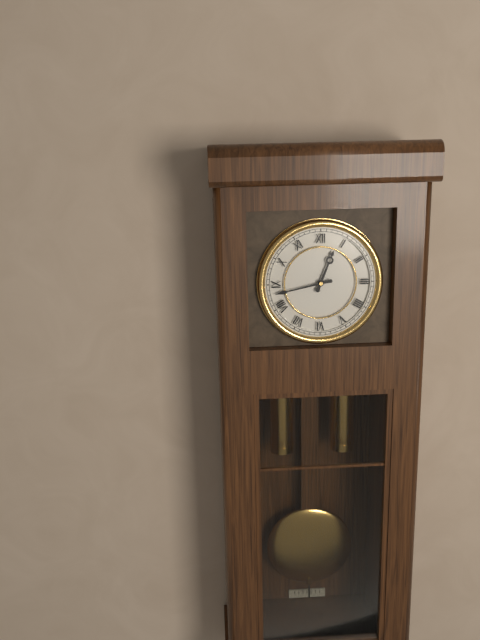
12 h 43 min
